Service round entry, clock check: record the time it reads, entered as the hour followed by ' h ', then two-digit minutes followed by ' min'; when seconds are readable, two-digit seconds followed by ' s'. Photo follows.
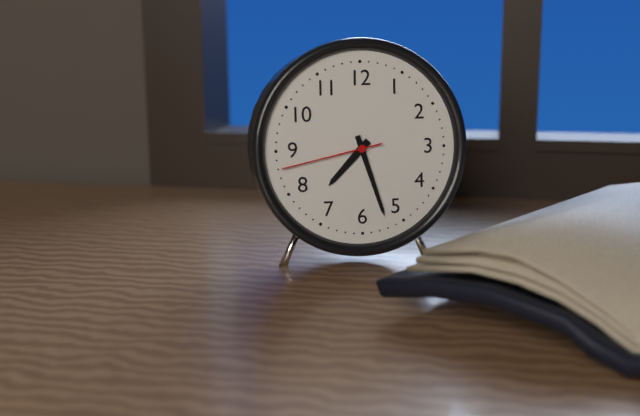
7 h 27 min 43 s
